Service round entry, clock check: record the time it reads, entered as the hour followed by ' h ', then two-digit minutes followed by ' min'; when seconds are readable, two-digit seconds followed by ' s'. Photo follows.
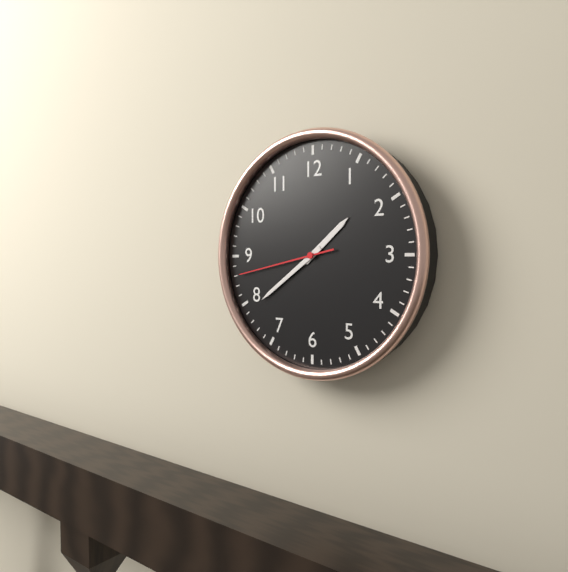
1 h 39 min 43 s
